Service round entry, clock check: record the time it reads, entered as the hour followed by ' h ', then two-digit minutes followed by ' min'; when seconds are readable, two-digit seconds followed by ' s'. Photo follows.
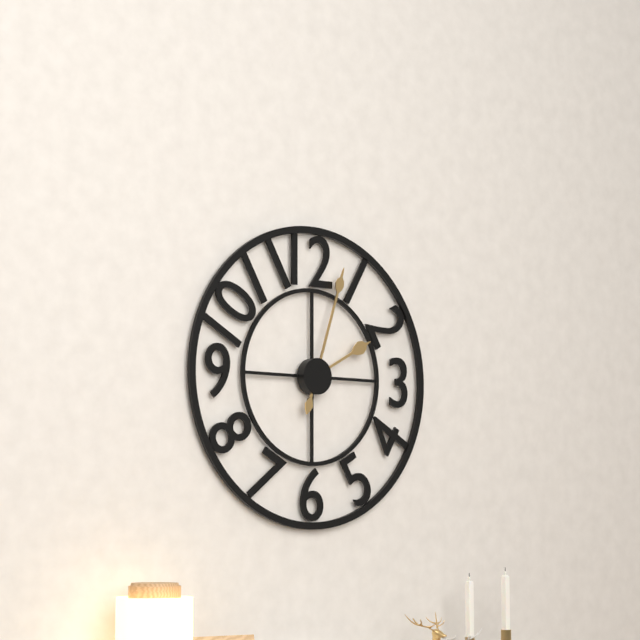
2 h 03 min
